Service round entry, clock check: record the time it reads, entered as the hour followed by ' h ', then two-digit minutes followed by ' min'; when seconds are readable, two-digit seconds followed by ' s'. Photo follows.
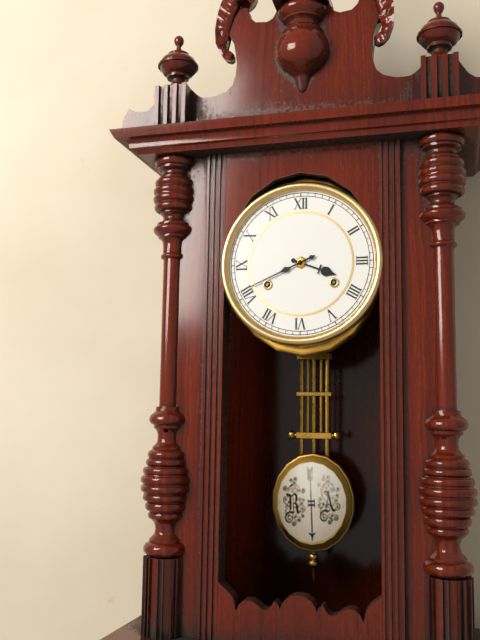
3 h 41 min
